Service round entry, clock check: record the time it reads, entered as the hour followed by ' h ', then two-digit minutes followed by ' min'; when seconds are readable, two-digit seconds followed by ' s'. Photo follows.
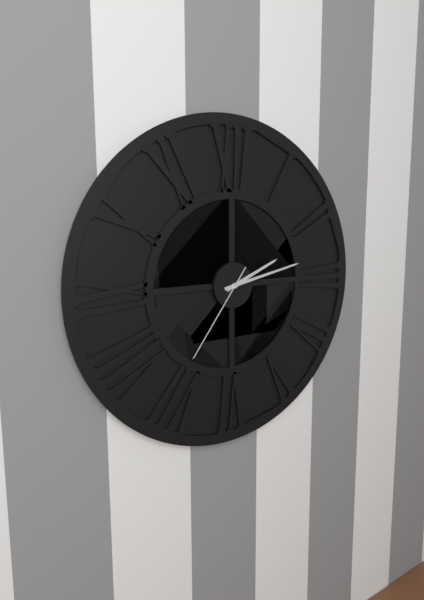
2 h 13 min 36 s
